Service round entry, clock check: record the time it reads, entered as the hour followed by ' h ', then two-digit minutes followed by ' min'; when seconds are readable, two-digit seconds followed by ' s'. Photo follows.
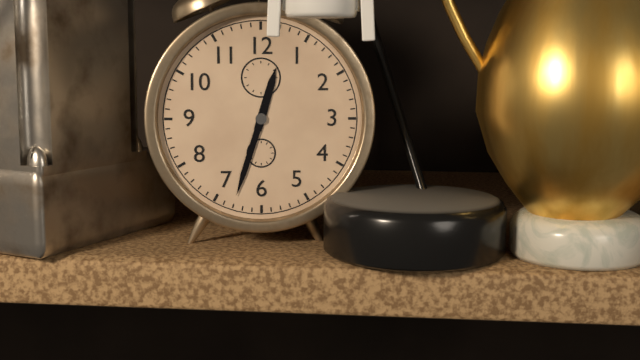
12 h 33 min
